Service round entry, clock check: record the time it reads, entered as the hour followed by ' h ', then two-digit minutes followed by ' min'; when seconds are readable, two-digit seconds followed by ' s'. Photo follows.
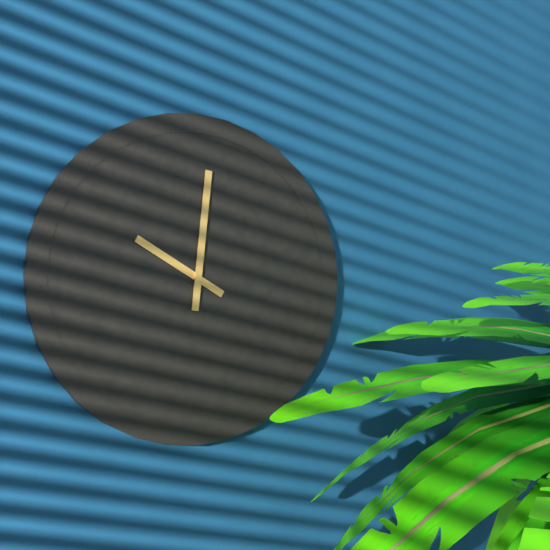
10 h 01 min
